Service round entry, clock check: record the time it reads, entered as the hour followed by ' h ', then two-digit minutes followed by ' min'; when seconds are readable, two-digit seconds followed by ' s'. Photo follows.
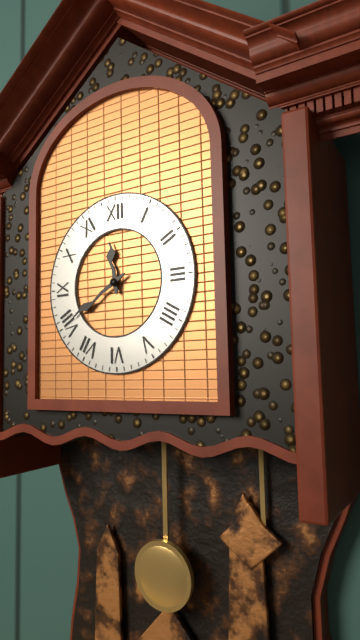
11 h 40 min
